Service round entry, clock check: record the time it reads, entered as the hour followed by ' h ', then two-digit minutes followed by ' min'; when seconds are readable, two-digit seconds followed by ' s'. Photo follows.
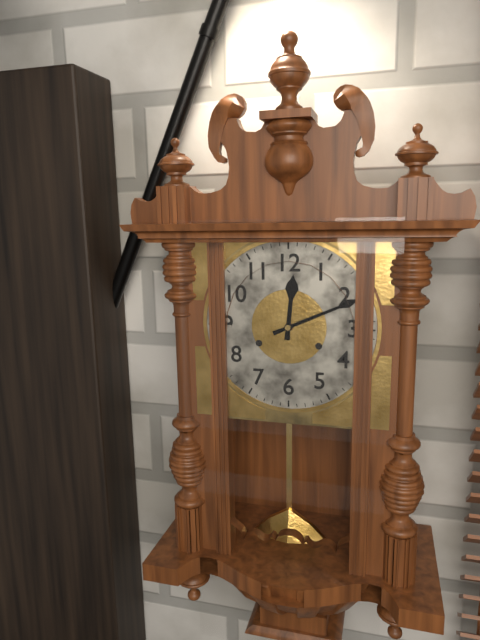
12 h 11 min
